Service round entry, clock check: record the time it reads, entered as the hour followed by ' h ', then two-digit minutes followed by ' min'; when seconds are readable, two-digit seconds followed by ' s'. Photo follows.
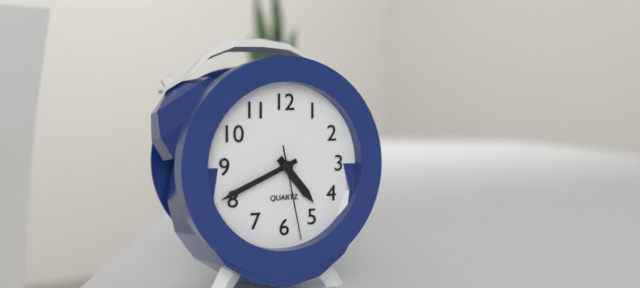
4 h 41 min 28 s
